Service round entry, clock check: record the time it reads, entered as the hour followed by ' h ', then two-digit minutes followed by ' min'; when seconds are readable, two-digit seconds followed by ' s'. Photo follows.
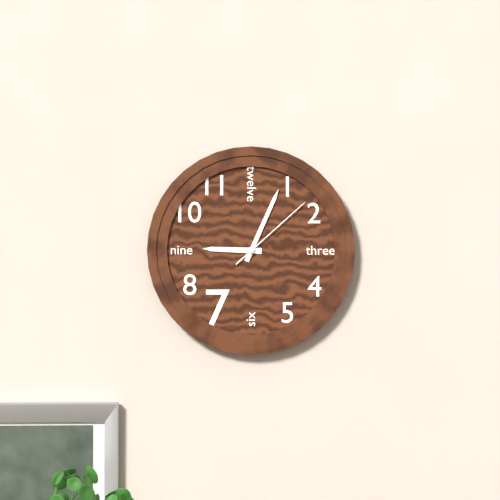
9 h 04 min 08 s
